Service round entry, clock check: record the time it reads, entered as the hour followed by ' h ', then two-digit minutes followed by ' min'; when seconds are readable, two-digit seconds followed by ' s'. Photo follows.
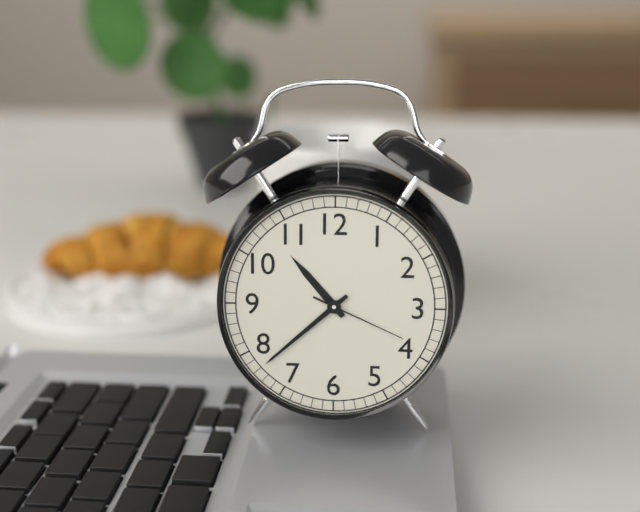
10 h 38 min 19 s
